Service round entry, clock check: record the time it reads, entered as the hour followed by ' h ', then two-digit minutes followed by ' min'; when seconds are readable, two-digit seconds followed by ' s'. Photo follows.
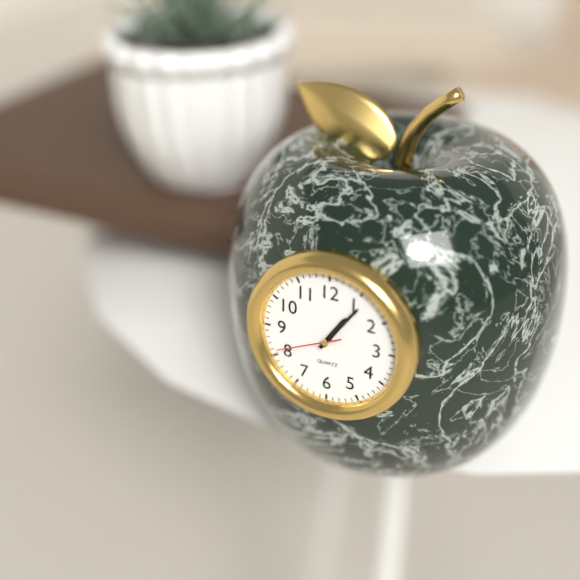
1 h 06 min 41 s
